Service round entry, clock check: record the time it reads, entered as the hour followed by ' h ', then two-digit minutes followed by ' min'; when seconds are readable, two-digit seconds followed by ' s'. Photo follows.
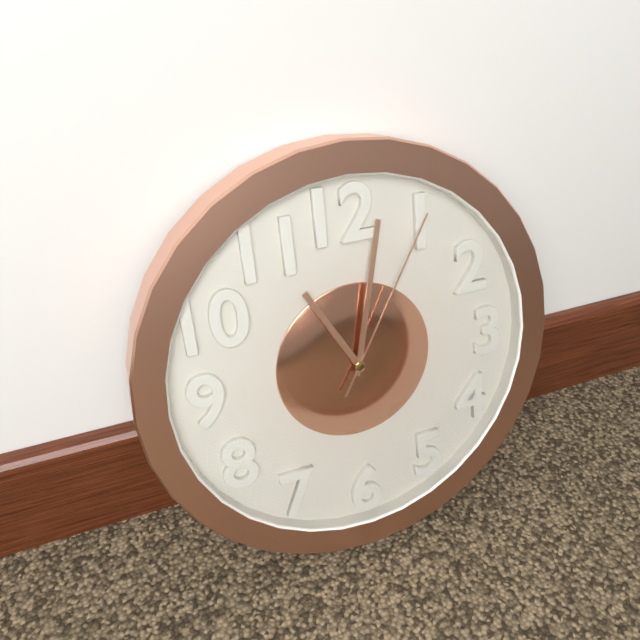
11 h 02 min 05 s
